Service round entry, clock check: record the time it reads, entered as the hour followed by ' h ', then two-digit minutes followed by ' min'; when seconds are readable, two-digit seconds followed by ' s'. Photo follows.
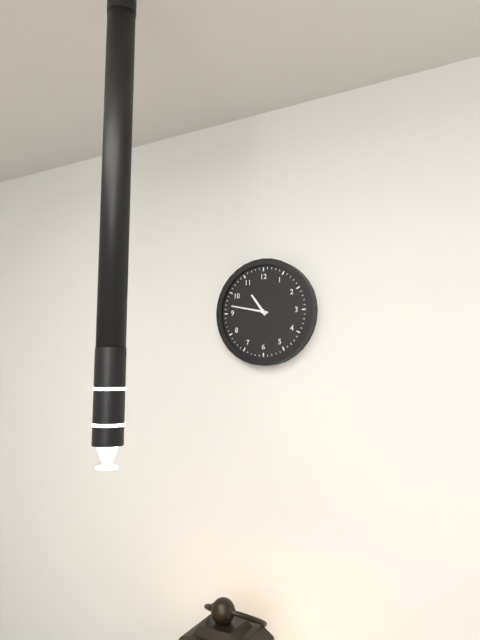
10 h 47 min
